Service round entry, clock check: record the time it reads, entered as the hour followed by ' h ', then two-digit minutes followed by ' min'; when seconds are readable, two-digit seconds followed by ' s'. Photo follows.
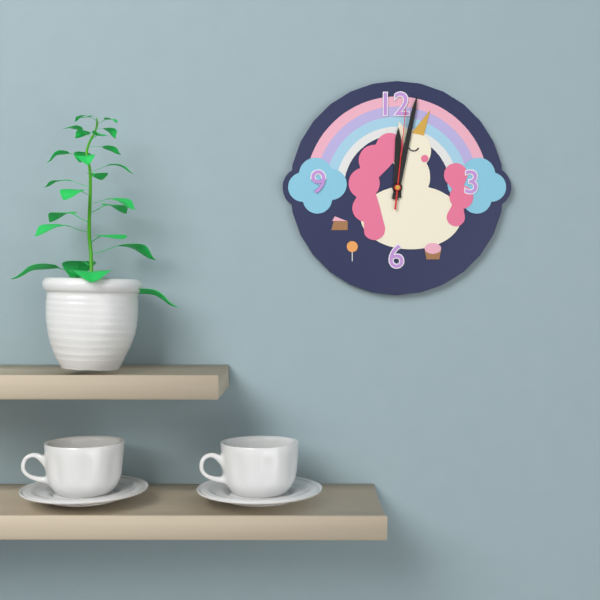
12 h 02 min 01 s
